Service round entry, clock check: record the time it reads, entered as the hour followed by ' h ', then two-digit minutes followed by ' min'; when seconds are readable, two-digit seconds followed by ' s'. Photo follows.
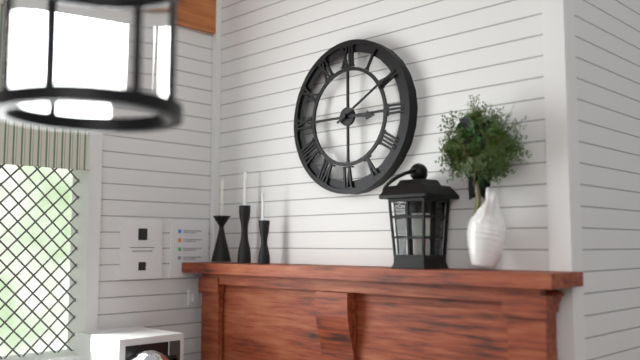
3 h 10 min
